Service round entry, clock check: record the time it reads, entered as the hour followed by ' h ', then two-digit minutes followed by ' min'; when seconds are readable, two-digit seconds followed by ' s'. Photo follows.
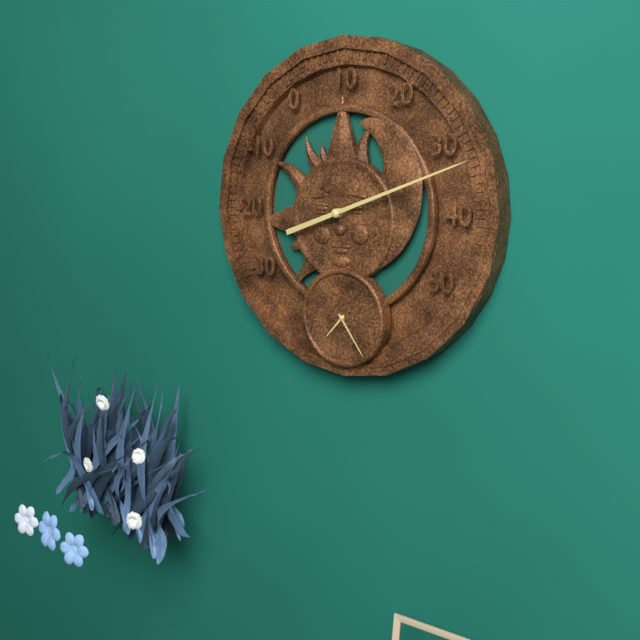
7 h 24 min
